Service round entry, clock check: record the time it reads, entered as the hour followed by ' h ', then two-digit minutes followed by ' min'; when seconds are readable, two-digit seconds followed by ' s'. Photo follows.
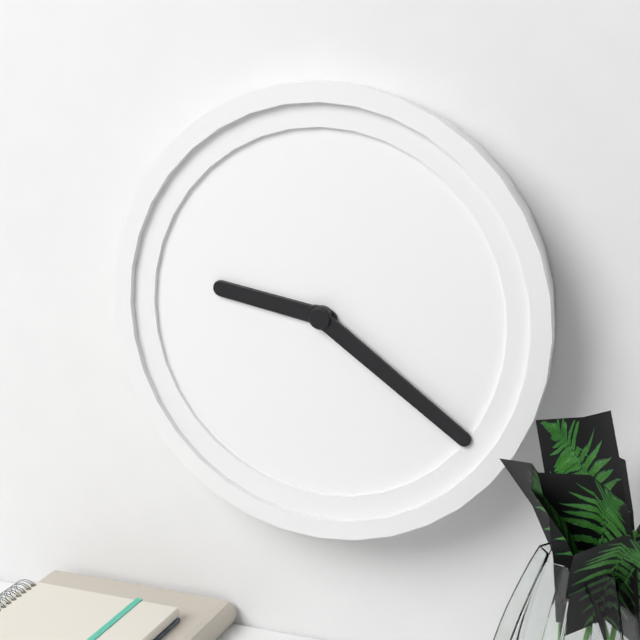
9 h 21 min
